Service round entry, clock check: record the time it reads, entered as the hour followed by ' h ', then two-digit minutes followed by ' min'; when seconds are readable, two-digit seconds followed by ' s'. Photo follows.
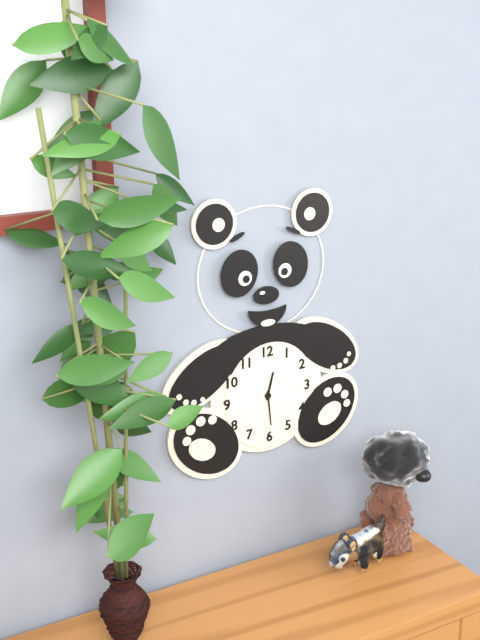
12 h 29 min
